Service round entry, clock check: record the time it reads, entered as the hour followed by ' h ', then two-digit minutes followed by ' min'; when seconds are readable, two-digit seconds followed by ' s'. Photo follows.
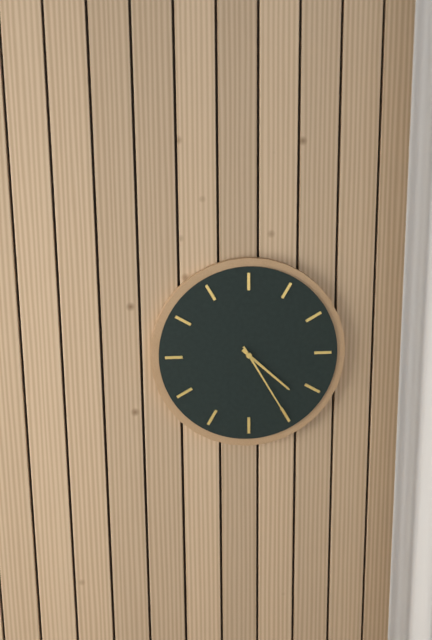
4 h 25 min
